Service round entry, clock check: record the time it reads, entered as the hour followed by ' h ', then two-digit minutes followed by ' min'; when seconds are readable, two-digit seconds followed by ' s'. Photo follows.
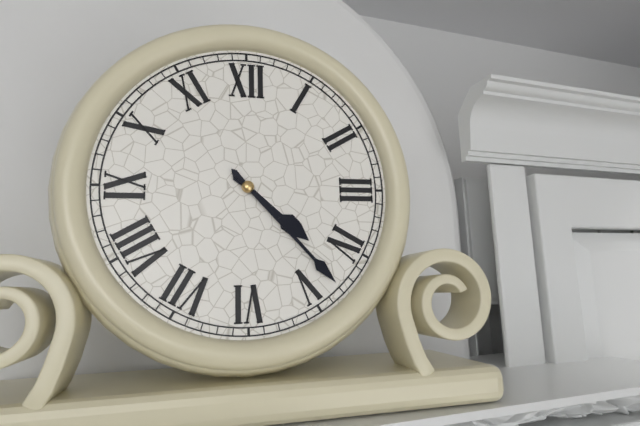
4 h 23 min
